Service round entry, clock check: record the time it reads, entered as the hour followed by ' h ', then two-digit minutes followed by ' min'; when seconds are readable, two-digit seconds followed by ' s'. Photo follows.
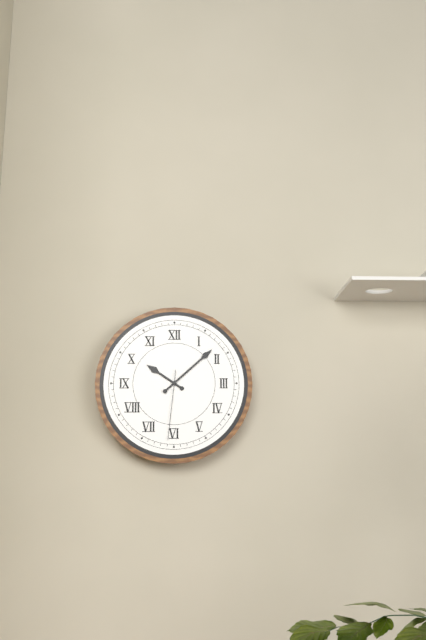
10 h 08 min 31 s
